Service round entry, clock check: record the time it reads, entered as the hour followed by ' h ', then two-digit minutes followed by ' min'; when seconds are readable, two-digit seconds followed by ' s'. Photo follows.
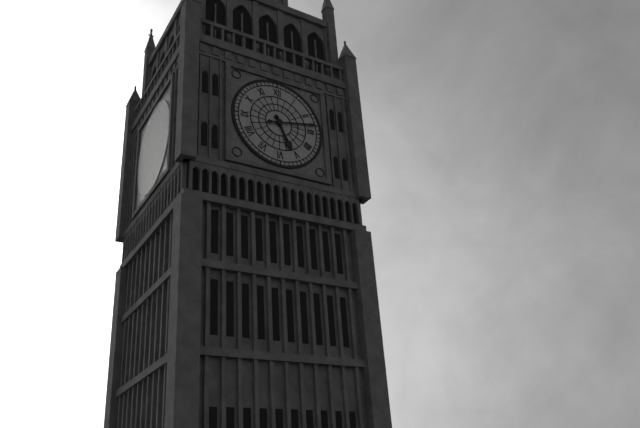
5 h 13 min
